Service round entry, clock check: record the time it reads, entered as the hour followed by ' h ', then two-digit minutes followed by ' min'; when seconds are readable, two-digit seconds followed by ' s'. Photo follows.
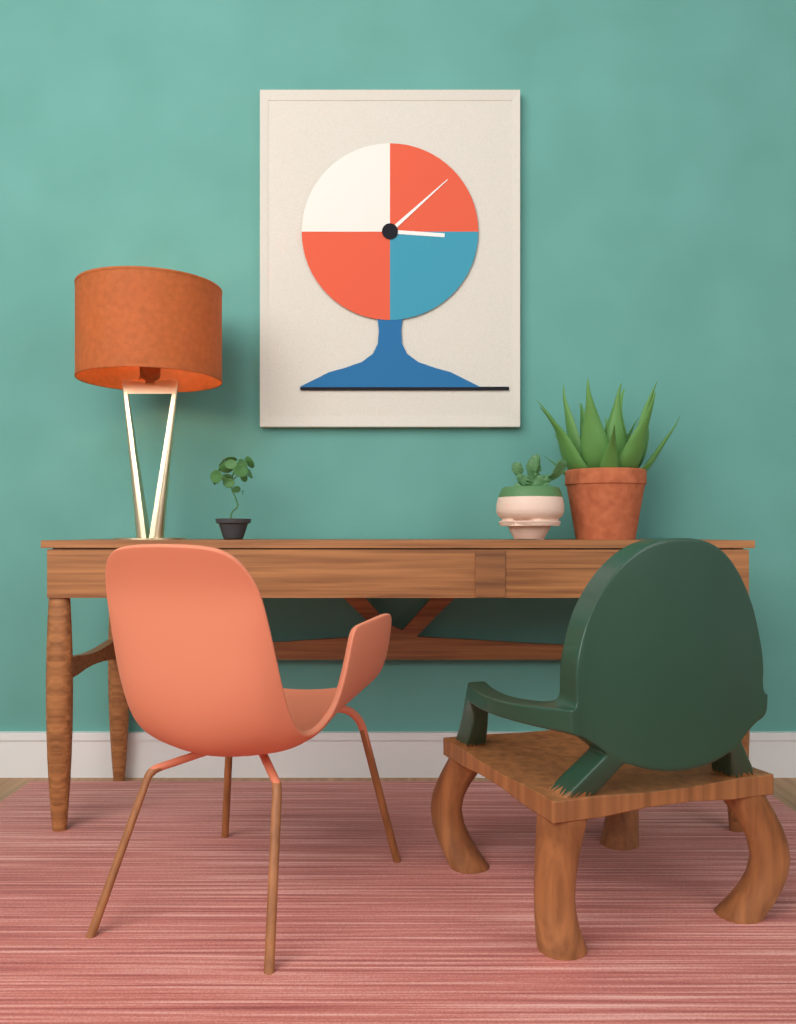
3 h 08 min
